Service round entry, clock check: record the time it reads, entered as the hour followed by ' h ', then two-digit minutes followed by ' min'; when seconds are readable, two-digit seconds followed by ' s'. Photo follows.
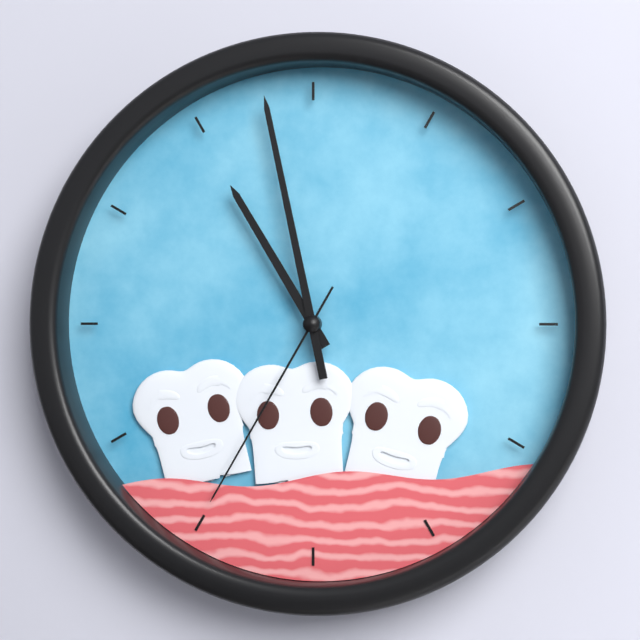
10 h 58 min 35 s
